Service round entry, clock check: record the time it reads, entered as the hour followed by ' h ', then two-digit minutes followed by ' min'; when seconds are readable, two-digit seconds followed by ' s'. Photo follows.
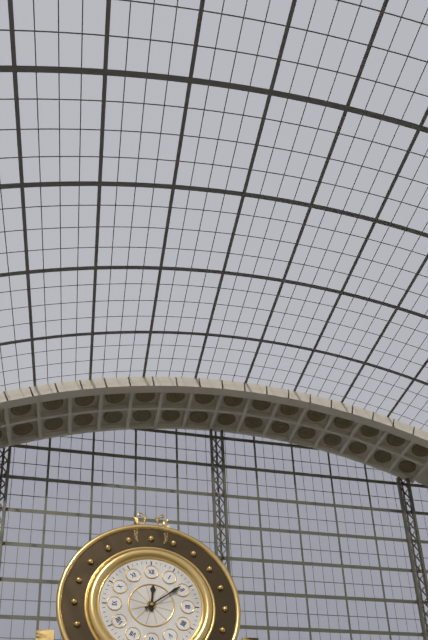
12 h 09 min
